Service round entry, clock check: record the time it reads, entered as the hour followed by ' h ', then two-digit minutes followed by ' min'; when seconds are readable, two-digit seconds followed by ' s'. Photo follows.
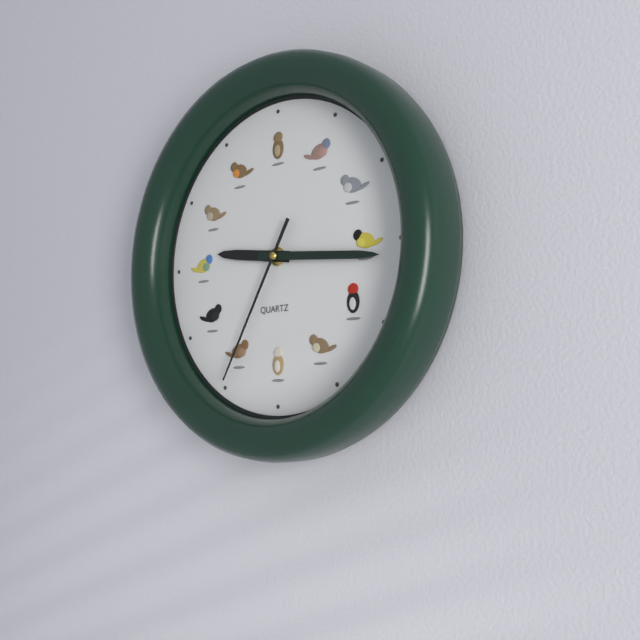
9 h 16 min 35 s
